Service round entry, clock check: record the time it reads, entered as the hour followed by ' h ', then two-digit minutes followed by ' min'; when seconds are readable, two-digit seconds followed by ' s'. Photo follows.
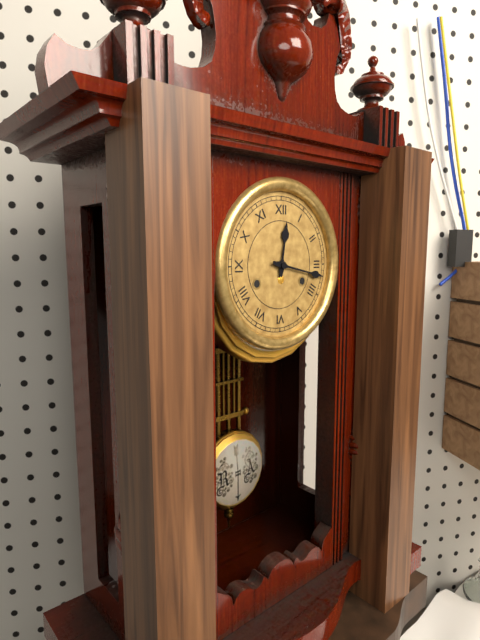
12 h 17 min
